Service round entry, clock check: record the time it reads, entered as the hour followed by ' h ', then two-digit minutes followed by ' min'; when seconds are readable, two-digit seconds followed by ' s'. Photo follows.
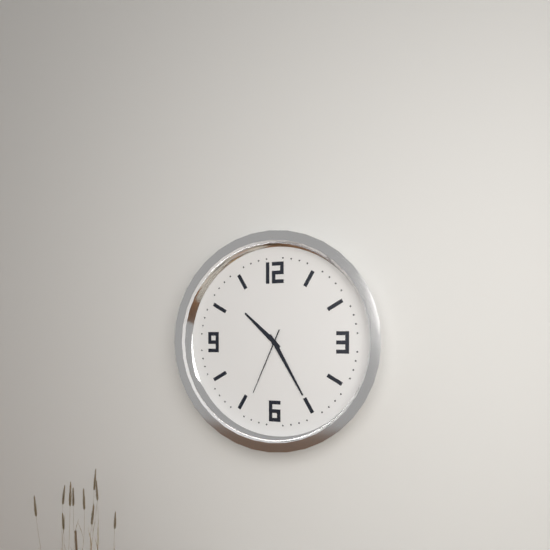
10 h 25 min 34 s
